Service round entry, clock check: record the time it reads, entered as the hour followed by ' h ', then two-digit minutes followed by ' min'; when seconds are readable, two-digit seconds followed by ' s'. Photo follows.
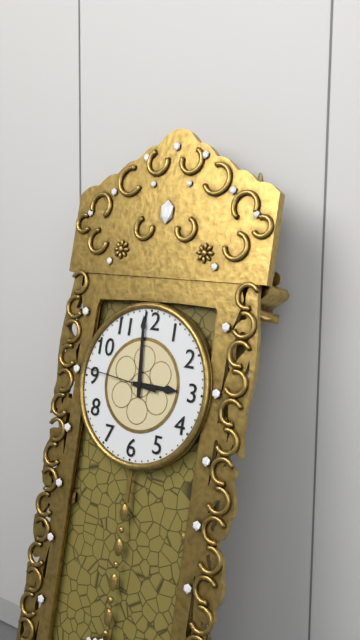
2 h 59 min 46 s
